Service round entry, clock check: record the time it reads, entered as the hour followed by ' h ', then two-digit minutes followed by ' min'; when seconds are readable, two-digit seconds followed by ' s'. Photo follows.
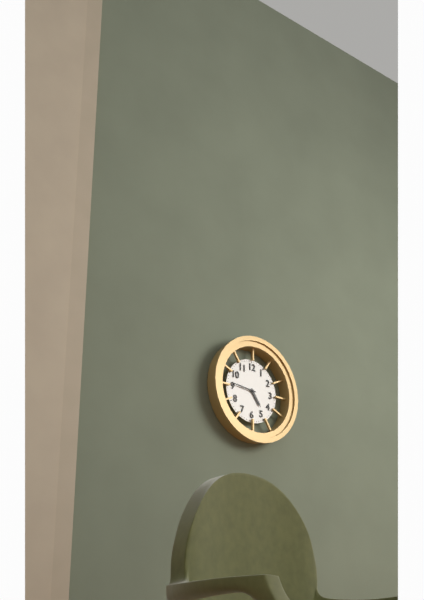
4 h 46 min
